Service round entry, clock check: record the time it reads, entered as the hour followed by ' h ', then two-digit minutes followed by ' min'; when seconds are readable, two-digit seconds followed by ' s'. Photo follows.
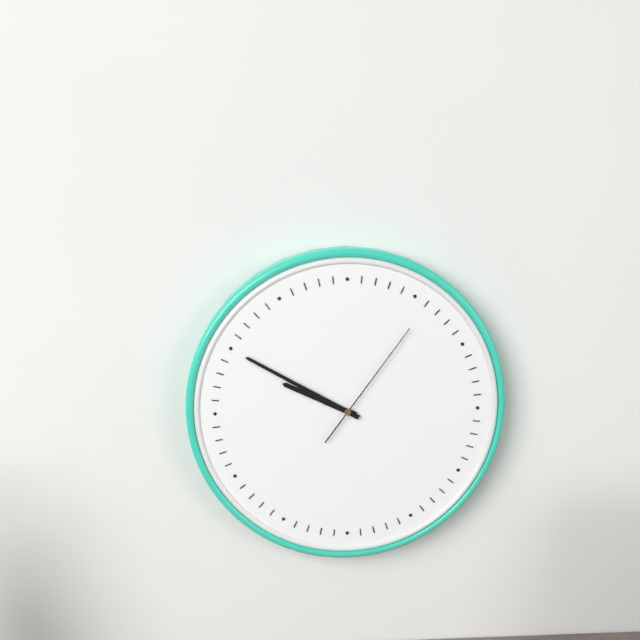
9 h 50 min 06 s
